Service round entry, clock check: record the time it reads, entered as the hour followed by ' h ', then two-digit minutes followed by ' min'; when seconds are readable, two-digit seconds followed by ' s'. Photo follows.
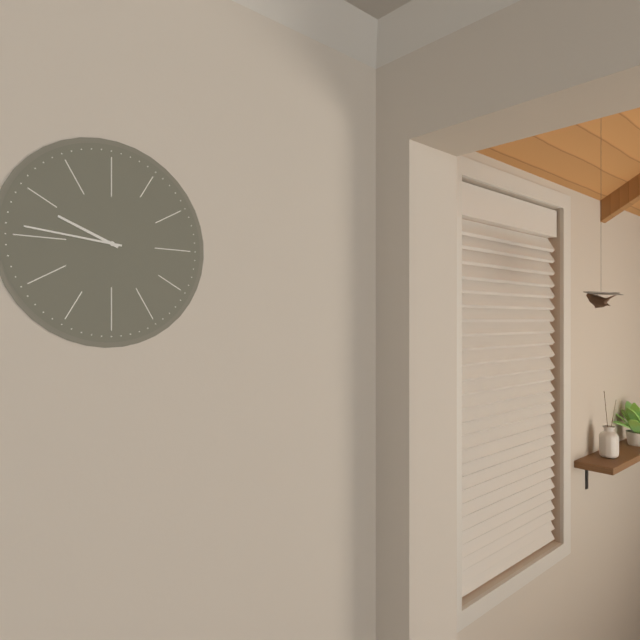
9 h 46 min
